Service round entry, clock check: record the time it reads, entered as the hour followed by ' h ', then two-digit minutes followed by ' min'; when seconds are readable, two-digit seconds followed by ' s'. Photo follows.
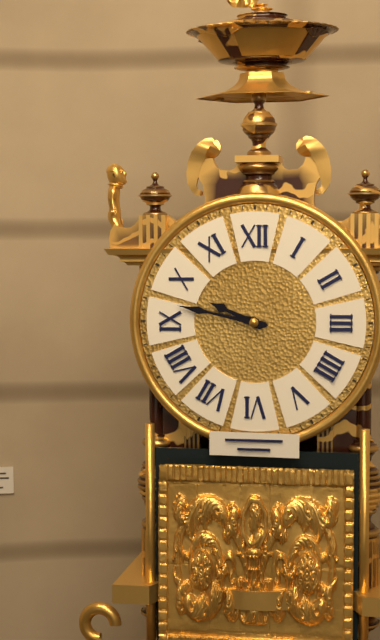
9 h 47 min
